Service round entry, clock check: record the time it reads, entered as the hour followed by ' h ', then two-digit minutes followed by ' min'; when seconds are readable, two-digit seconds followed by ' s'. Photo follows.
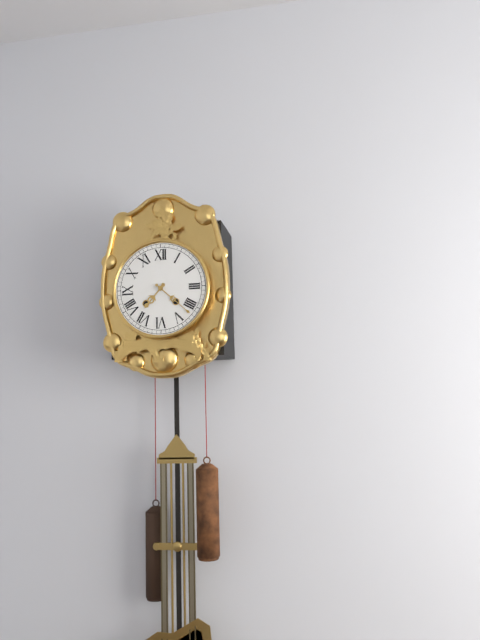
7 h 22 min
